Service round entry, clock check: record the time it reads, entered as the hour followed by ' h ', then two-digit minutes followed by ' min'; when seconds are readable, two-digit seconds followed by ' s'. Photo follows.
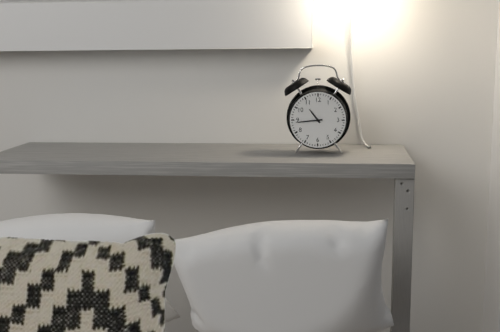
10 h 44 min
